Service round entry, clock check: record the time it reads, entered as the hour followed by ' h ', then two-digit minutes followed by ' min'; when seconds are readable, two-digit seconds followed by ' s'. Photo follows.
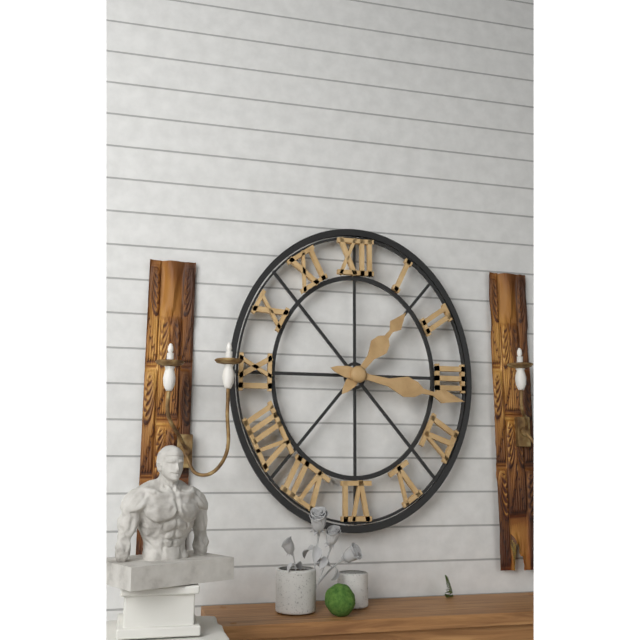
1 h 17 min
